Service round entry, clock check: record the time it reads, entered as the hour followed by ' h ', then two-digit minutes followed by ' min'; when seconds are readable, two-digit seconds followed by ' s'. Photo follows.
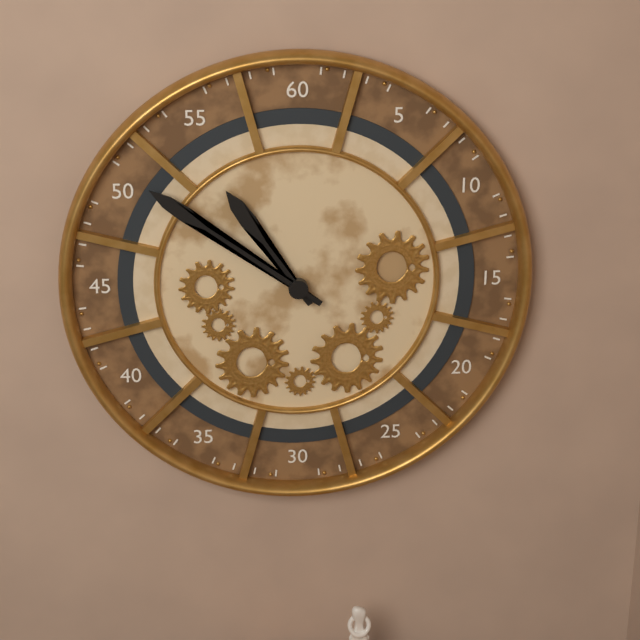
10 h 51 min
